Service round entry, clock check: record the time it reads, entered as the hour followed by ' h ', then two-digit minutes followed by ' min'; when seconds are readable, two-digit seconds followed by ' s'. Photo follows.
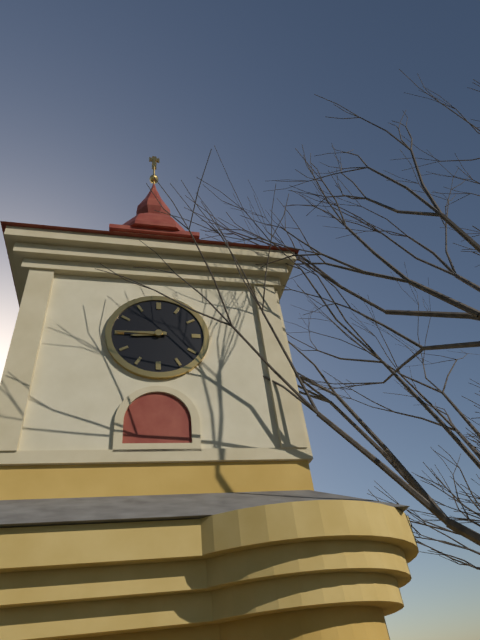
8 h 45 min
